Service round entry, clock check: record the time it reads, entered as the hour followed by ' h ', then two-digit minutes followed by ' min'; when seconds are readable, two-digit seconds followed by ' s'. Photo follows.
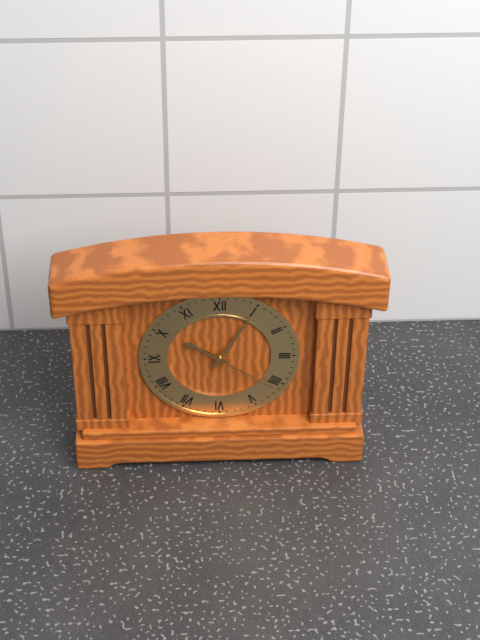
10 h 05 min 21 s
